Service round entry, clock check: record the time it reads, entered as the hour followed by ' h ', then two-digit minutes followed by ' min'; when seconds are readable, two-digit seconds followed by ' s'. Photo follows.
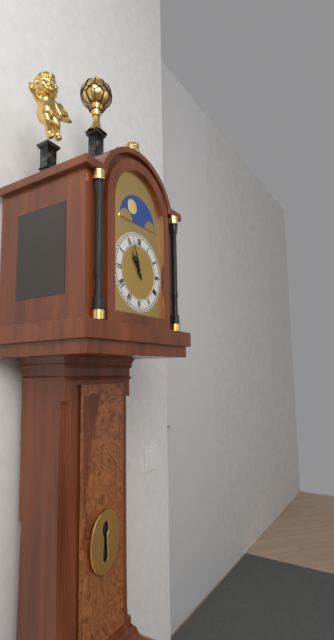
10 h 57 min
